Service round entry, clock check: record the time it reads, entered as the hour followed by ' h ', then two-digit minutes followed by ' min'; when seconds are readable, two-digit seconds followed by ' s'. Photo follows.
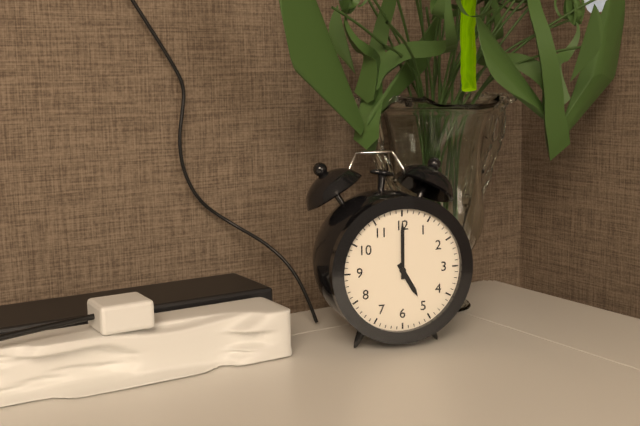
5 h 00 min
